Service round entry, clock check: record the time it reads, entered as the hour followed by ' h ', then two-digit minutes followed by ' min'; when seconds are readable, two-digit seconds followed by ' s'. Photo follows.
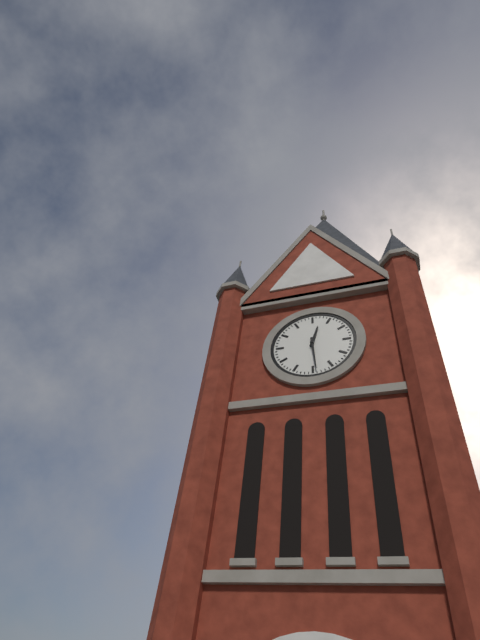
12 h 29 min
